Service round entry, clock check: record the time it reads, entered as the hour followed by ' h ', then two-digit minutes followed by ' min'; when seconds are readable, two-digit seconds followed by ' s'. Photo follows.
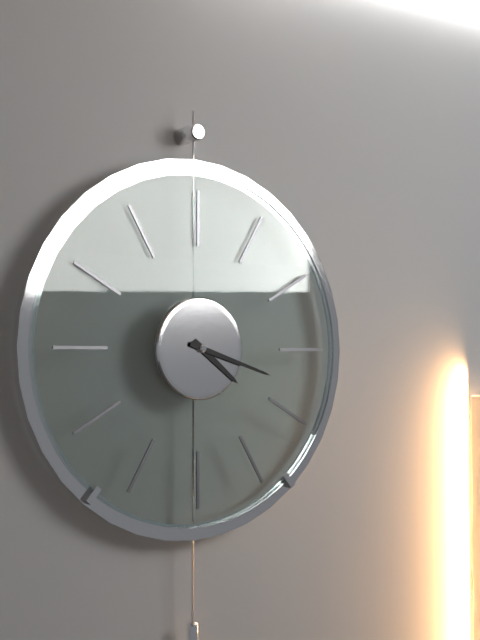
4 h 18 min
